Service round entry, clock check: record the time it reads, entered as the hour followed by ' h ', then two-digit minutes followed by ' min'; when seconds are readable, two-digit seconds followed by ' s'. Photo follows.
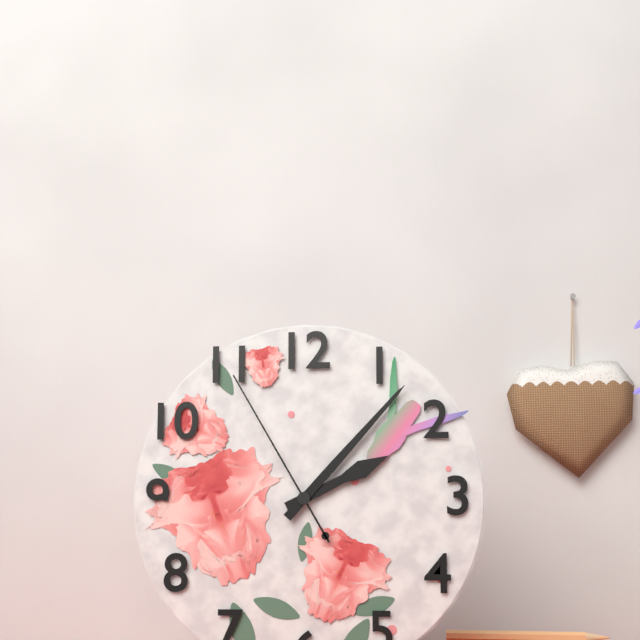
2 h 07 min 55 s
